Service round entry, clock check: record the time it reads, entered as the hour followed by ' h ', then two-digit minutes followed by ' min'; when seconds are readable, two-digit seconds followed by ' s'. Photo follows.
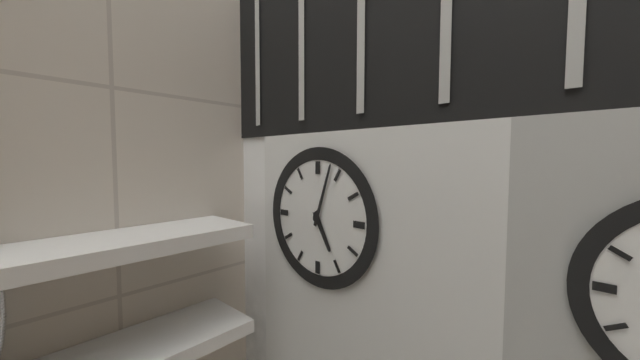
5 h 03 min
